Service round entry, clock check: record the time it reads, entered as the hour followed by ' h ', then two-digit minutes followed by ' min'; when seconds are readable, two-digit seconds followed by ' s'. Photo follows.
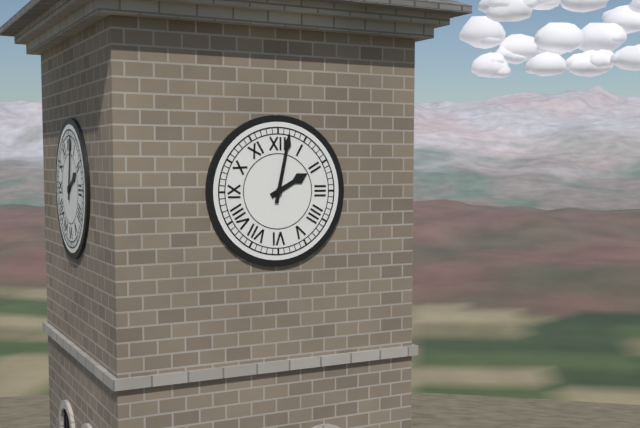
2 h 02 min
